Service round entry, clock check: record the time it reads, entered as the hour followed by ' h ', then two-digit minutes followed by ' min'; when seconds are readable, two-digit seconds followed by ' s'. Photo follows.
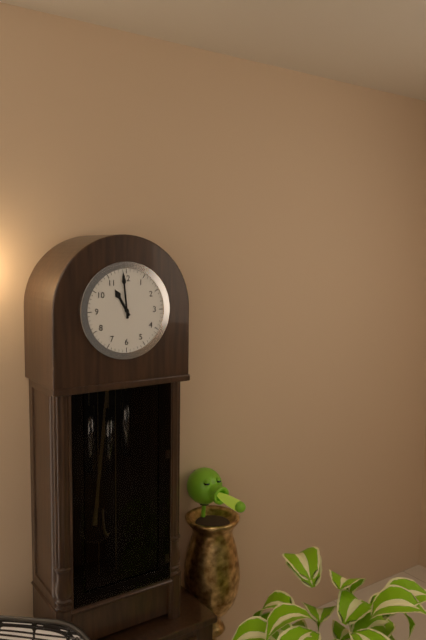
10 h 59 min
